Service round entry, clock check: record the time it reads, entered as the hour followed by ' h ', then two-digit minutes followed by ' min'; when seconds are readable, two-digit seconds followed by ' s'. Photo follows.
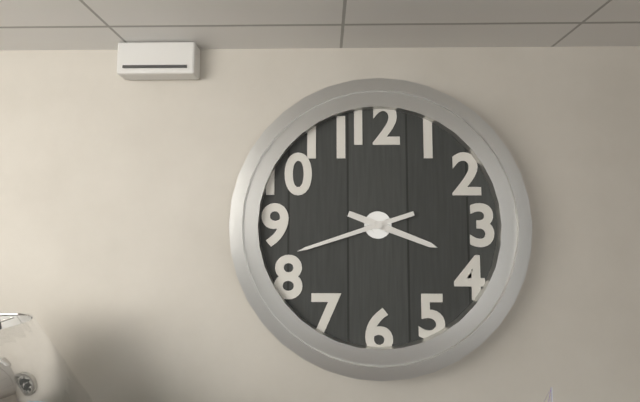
3 h 42 min
